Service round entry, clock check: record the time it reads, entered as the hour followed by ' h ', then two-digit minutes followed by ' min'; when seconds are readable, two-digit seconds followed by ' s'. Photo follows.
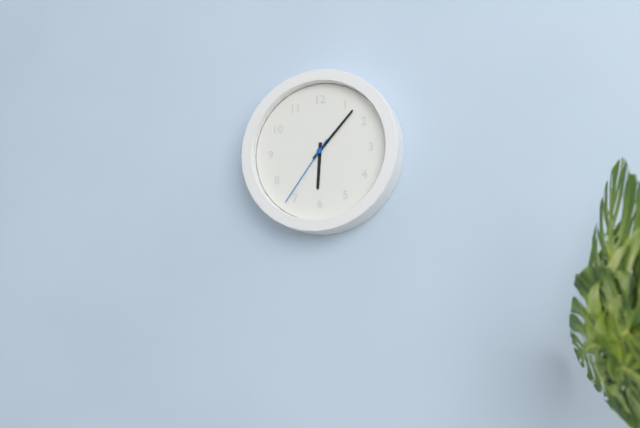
6 h 07 min 36 s
